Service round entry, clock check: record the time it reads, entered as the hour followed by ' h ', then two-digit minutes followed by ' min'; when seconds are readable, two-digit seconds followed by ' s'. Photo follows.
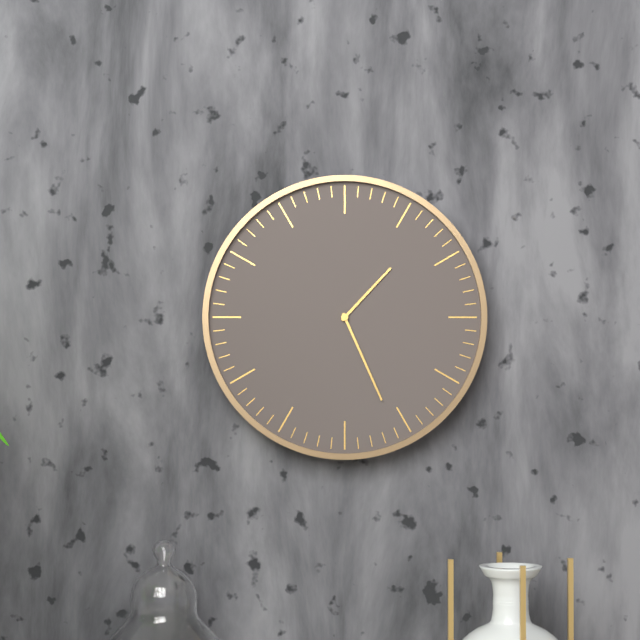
1 h 26 min
